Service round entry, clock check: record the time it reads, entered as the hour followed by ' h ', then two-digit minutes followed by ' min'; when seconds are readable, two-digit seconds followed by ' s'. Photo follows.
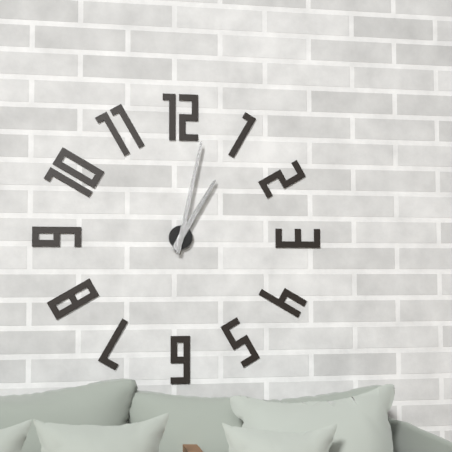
1 h 02 min
